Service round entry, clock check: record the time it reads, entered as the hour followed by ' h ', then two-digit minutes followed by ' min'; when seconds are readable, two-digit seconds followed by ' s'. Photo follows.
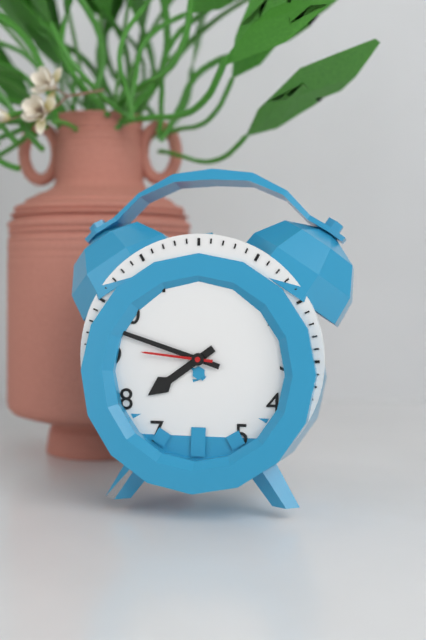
7 h 48 min 46 s
